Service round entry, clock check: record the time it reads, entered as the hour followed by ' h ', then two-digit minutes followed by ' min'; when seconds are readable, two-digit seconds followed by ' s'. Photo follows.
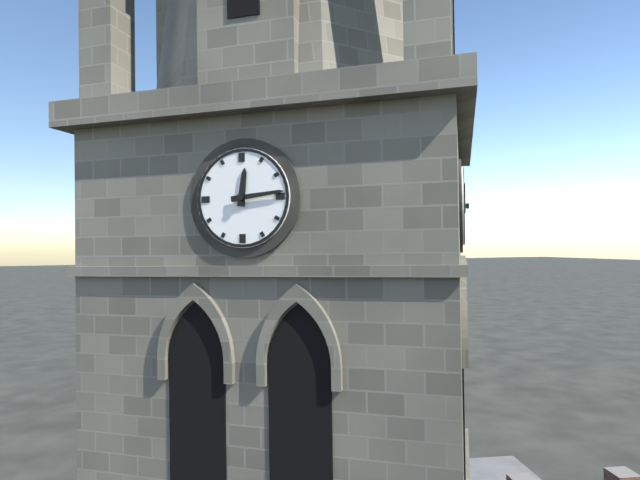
12 h 14 min
